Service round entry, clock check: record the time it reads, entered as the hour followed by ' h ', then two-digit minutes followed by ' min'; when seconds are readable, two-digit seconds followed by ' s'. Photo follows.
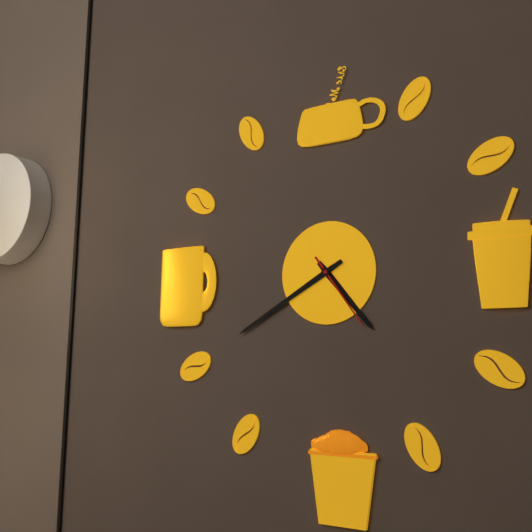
4 h 40 min 24 s
